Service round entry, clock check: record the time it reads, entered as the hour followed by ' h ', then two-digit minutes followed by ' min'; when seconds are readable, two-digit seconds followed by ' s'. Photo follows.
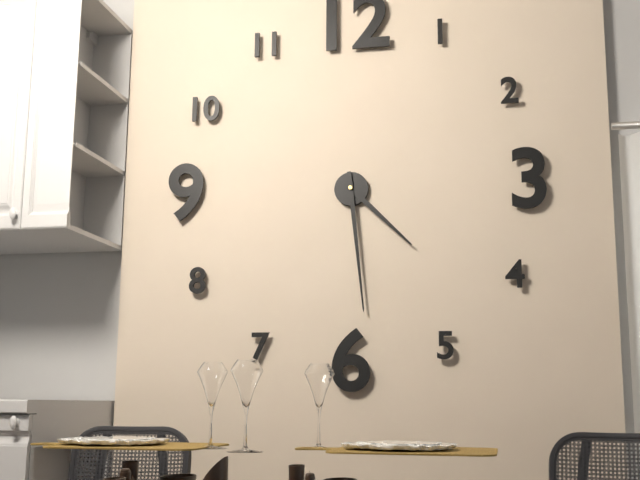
4 h 29 min
